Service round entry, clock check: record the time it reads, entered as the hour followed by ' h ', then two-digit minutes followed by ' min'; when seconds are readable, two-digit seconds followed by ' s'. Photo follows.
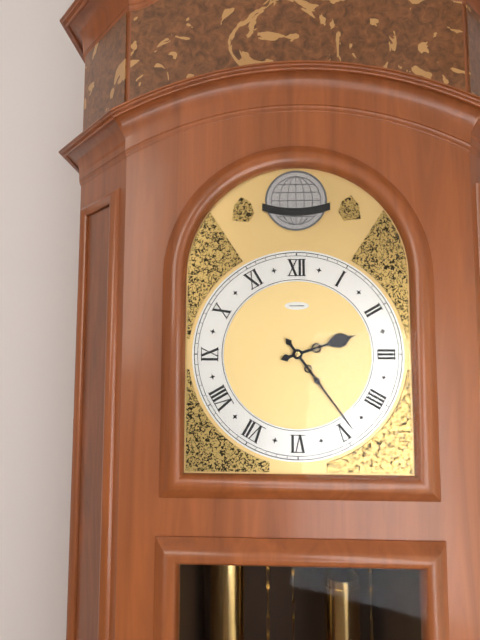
2 h 24 min
